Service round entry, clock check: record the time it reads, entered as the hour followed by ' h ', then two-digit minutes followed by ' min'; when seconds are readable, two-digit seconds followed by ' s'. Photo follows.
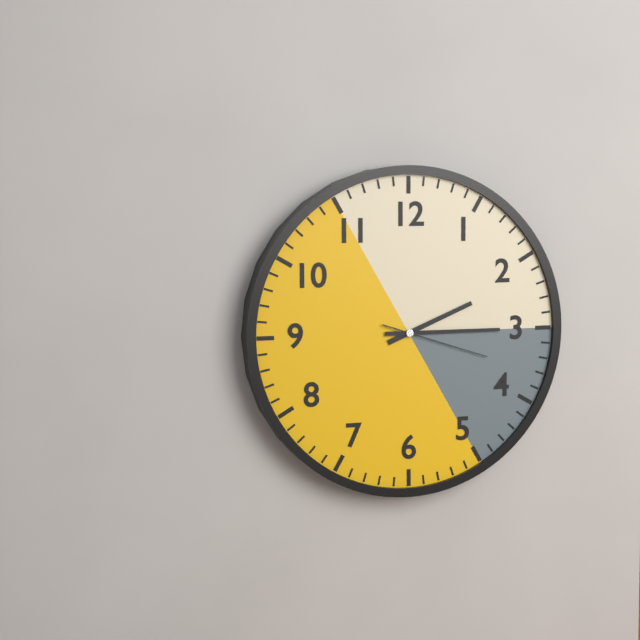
2 h 15 min 18 s
